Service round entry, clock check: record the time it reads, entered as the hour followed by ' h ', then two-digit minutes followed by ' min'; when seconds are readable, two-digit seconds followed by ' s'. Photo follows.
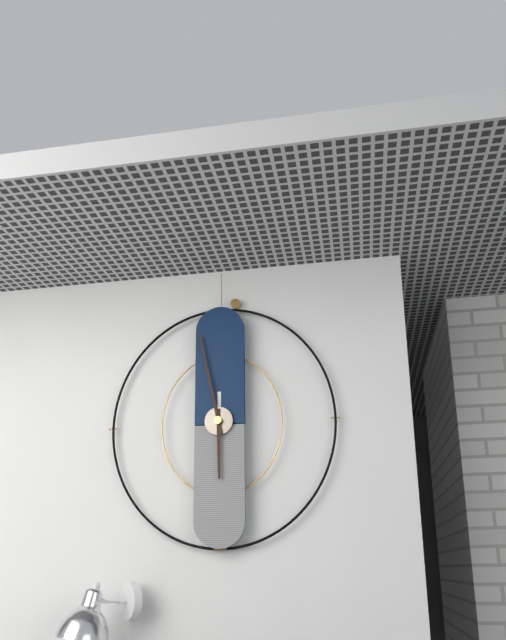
5 h 58 min
